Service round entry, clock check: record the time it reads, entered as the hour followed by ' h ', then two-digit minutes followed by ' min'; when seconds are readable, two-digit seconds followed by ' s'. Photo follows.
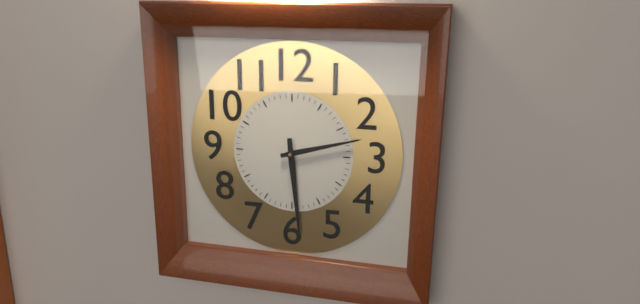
2 h 29 min
